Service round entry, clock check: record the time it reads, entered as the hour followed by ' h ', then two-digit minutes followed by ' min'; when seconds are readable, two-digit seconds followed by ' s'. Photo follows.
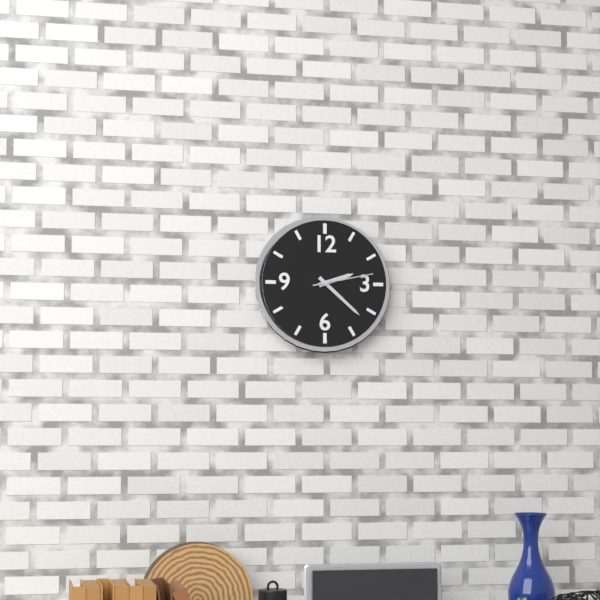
2 h 22 min 13 s
